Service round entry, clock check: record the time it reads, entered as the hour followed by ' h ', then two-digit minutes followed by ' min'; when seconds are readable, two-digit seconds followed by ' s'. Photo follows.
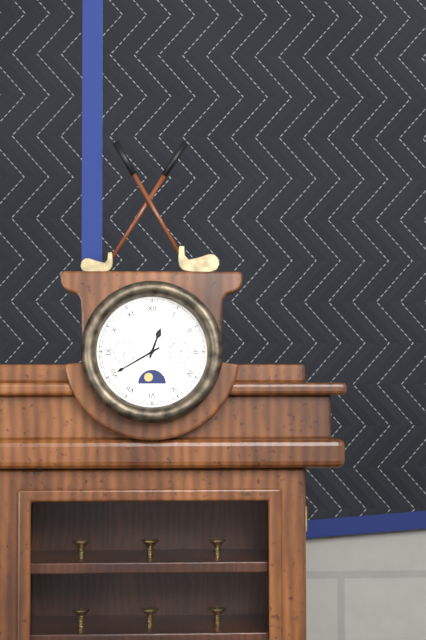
12 h 40 min
